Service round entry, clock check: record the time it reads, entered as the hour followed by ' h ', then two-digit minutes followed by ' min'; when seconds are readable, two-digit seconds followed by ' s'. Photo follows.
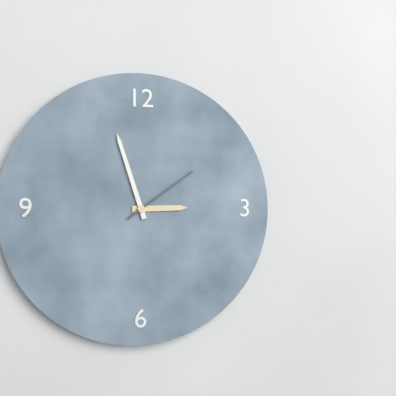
2 h 57 min 09 s
